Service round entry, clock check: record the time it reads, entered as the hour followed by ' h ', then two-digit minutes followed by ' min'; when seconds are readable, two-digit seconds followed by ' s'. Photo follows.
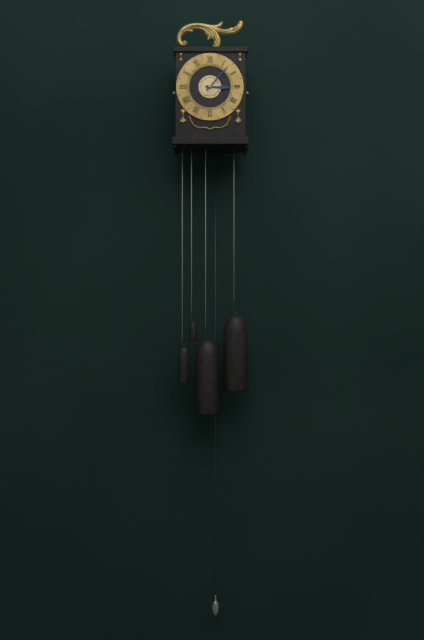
3 h 07 min
